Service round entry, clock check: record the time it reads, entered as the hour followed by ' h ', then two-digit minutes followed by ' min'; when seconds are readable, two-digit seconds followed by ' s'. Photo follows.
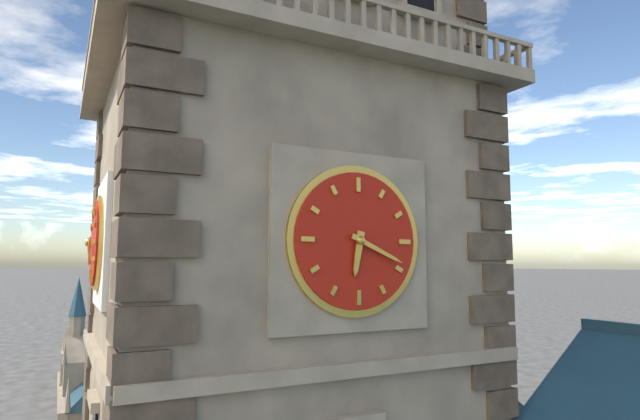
6 h 19 min
